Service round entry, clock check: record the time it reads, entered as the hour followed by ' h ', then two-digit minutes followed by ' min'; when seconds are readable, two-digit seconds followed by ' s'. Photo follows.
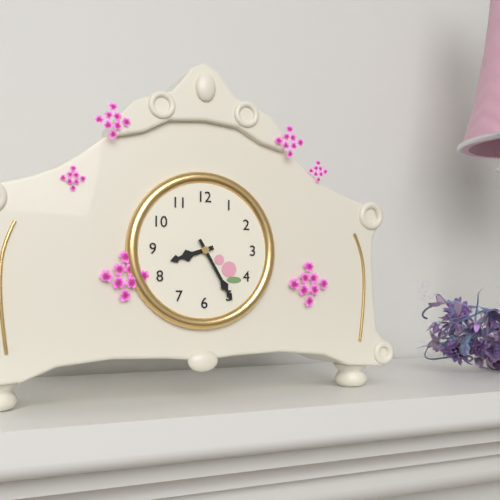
8 h 25 min
